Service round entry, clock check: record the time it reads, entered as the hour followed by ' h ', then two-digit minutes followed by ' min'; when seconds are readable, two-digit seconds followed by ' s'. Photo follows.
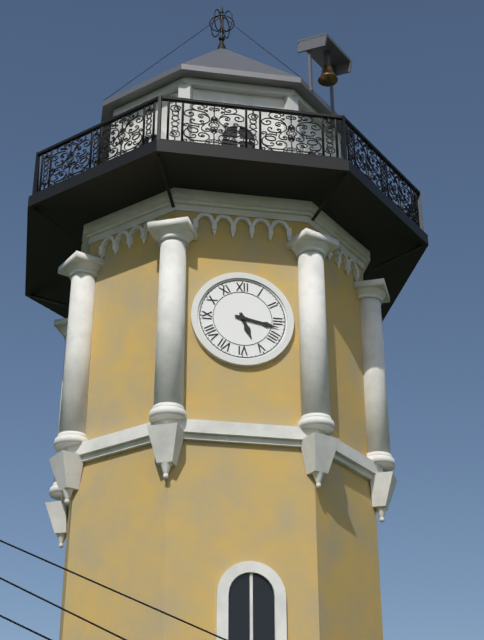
5 h 17 min
